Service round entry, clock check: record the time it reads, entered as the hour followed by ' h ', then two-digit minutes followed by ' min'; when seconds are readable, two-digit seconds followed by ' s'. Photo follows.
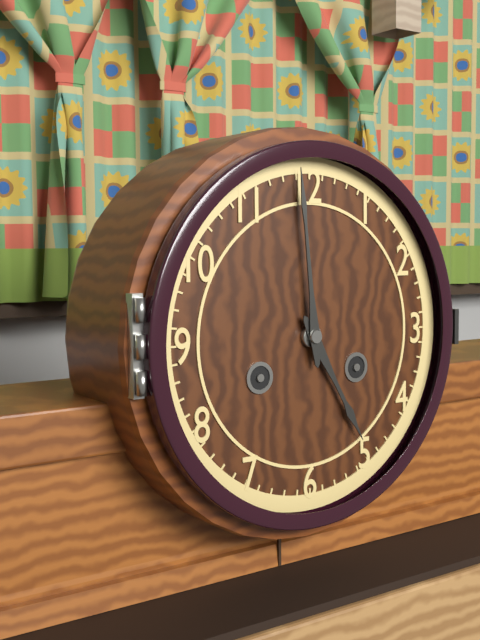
4 h 59 min
